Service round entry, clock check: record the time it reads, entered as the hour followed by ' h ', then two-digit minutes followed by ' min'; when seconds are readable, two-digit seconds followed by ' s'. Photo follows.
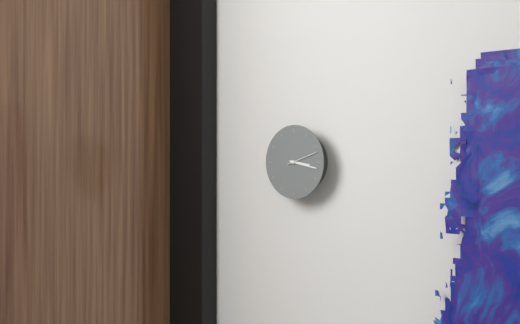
3 h 17 min
